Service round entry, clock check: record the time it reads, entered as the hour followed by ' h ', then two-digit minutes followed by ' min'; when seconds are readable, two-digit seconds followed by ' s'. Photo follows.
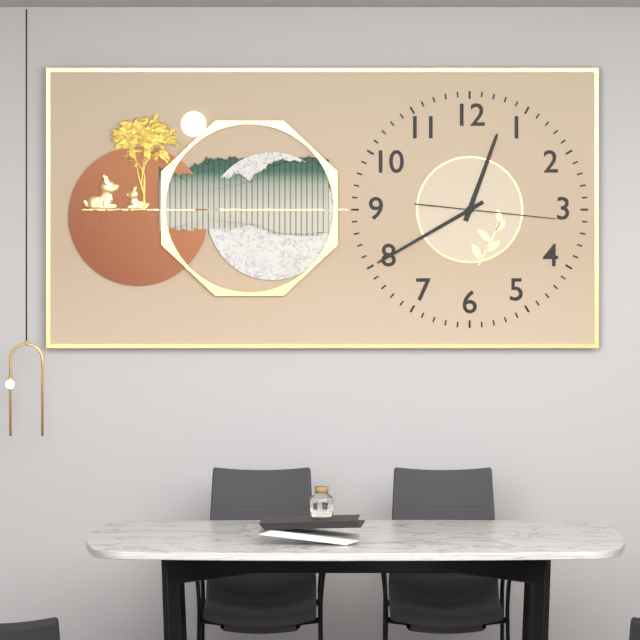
12 h 40 min 16 s
